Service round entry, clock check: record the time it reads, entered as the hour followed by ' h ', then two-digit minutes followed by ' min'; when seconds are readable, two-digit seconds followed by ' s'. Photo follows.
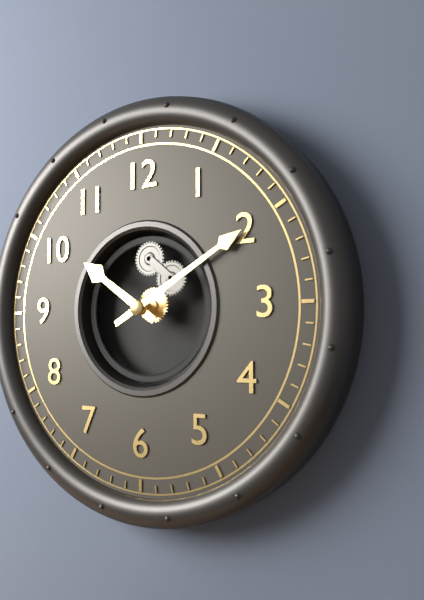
10 h 10 min
